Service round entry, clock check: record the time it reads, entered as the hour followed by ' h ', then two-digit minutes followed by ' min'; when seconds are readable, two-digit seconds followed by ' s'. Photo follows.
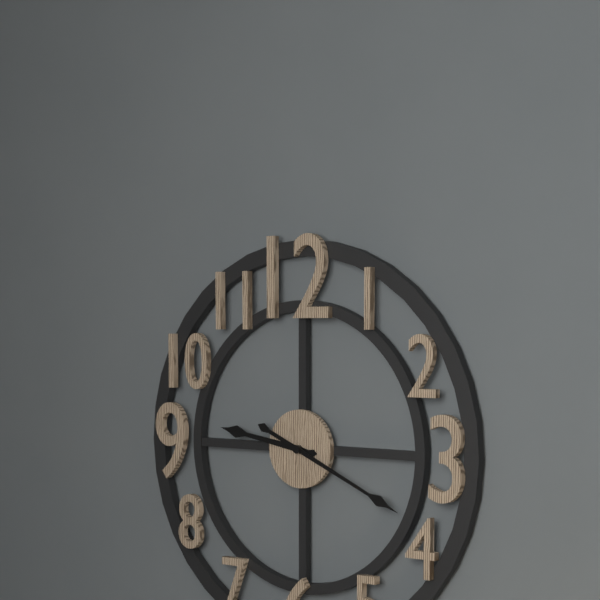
9 h 19 min
